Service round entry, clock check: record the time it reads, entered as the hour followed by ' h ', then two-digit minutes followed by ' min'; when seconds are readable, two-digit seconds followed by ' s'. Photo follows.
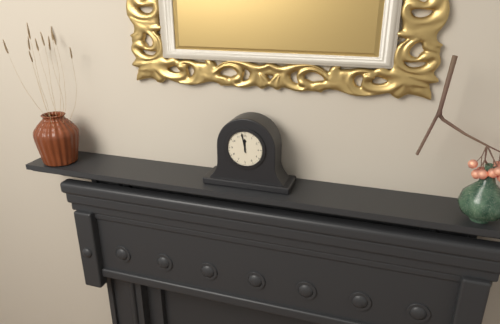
11 h 58 min
